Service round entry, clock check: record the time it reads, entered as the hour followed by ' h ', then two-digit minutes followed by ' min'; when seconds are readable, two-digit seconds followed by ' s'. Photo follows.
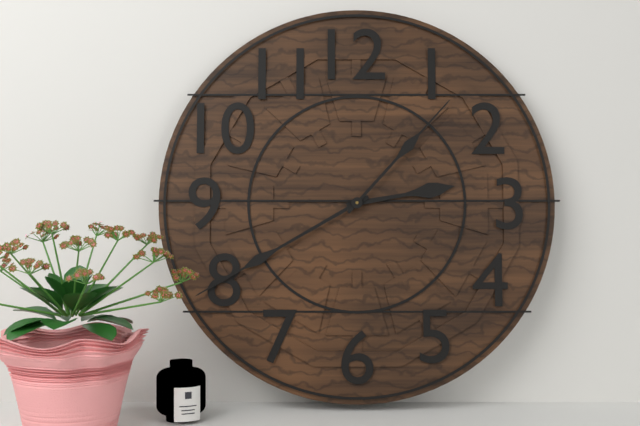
2 h 40 min 07 s
